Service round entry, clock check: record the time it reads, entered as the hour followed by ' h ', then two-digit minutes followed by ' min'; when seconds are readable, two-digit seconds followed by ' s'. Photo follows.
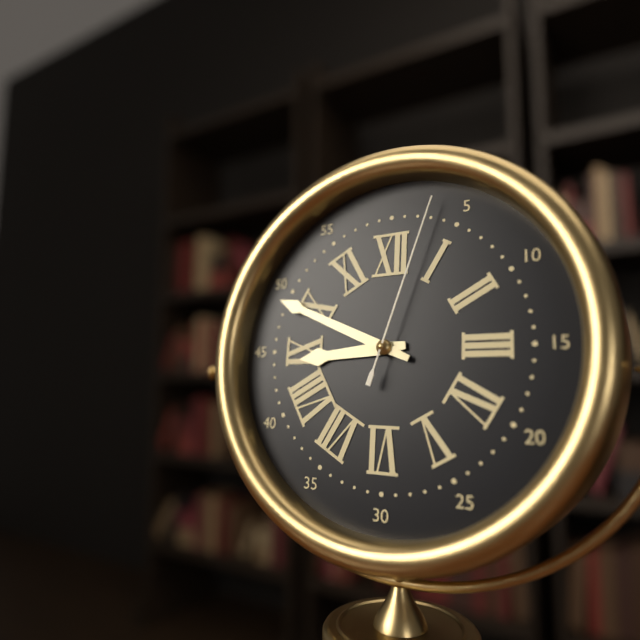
8 h 49 min 03 s
